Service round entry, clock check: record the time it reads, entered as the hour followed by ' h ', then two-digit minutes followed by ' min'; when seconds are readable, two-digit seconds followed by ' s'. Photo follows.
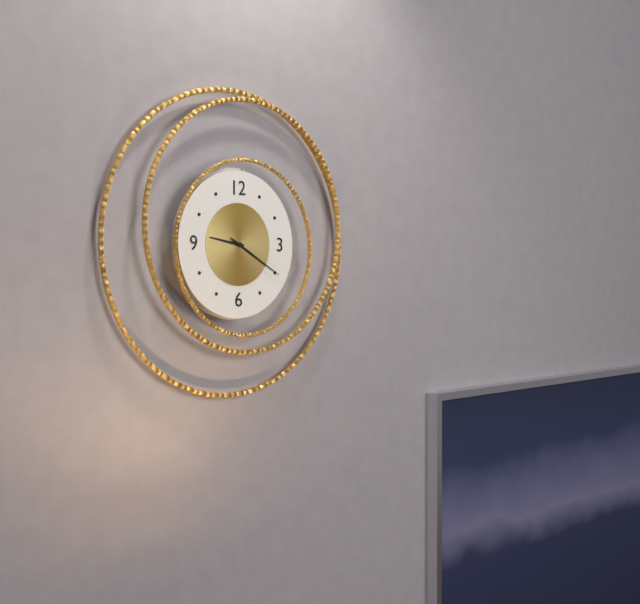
9 h 20 min 20 s
